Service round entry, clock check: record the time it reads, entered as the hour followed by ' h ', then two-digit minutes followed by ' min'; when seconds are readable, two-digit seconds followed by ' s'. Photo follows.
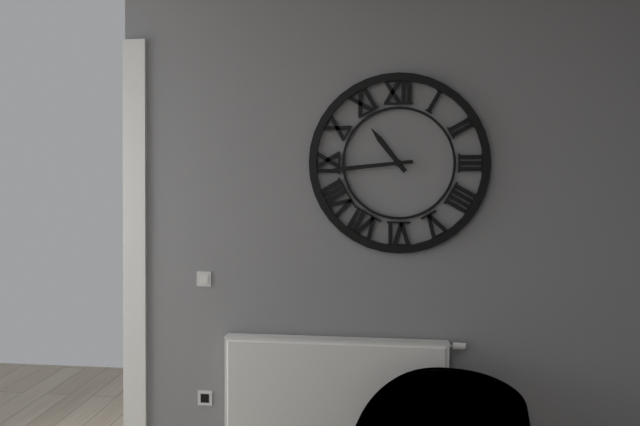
10 h 44 min
